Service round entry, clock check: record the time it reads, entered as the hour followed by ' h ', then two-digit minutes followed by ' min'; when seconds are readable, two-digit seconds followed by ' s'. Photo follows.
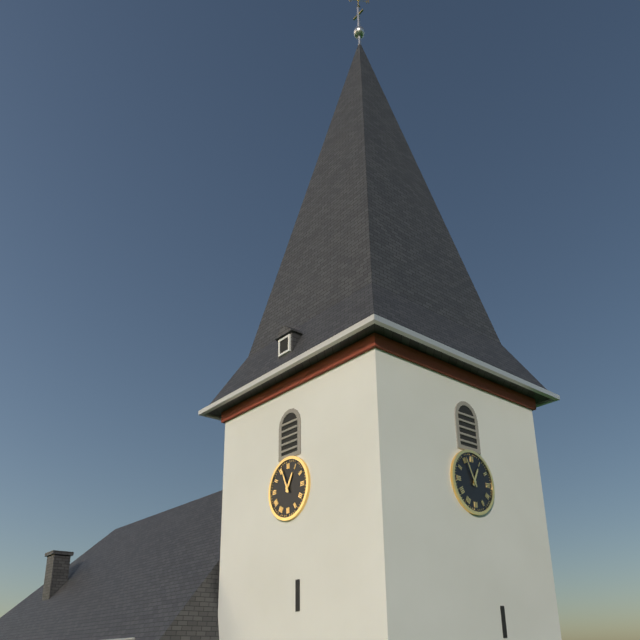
12 h 56 min
